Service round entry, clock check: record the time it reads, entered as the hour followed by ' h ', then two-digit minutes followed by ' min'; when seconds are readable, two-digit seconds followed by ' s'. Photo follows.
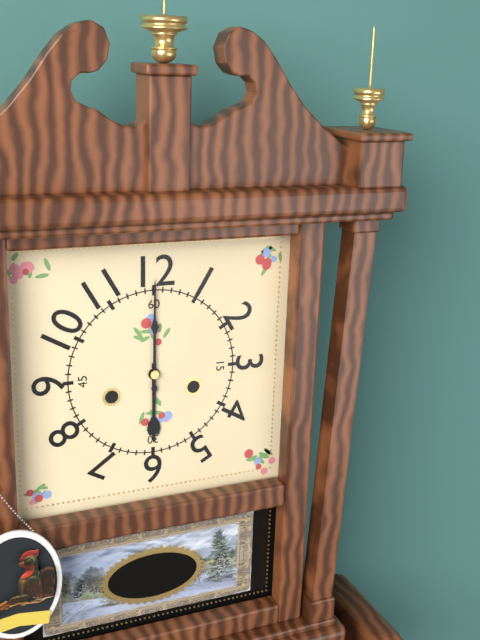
6 h 00 min
